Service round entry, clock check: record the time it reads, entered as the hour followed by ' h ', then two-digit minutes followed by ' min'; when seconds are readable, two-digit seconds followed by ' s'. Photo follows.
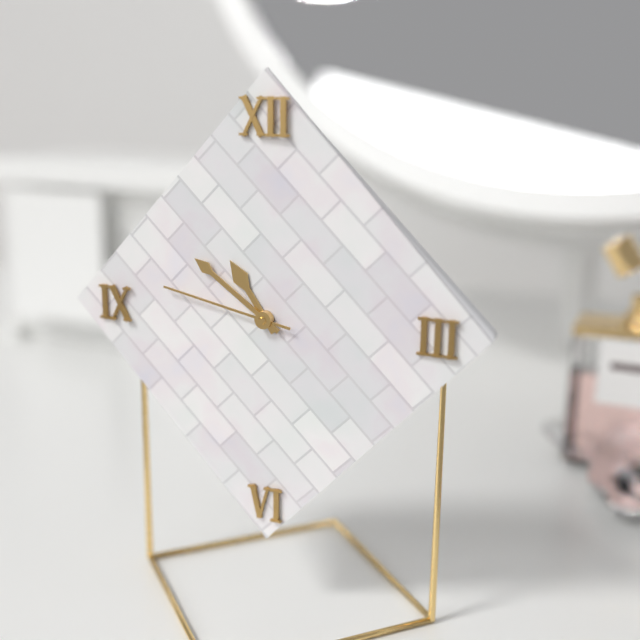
10 h 51 min 47 s
